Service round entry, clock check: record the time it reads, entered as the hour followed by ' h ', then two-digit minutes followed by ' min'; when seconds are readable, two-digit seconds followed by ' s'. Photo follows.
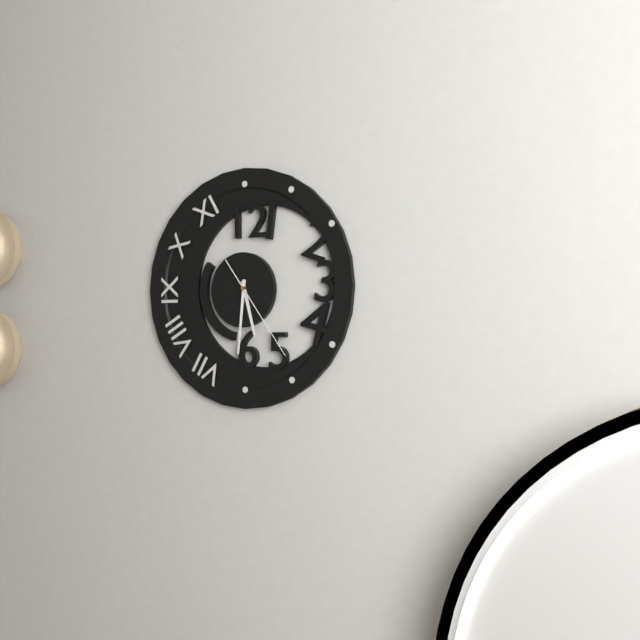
5 h 31 min 24 s
